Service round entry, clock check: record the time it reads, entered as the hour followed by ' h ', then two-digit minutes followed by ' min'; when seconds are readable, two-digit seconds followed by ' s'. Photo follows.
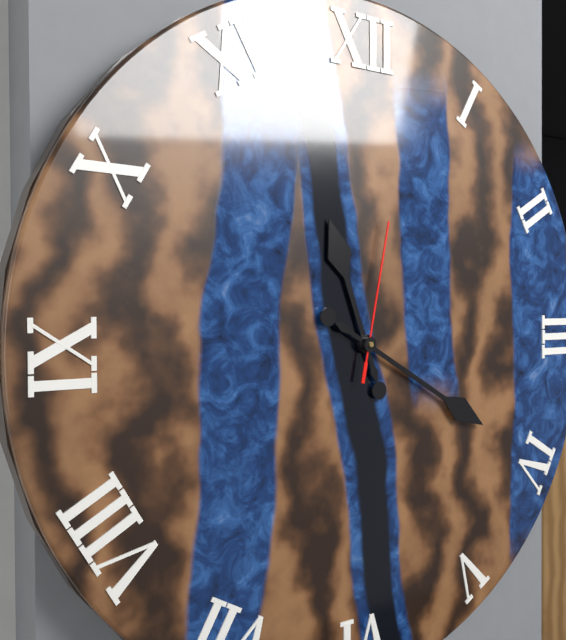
11 h 20 min 02 s
